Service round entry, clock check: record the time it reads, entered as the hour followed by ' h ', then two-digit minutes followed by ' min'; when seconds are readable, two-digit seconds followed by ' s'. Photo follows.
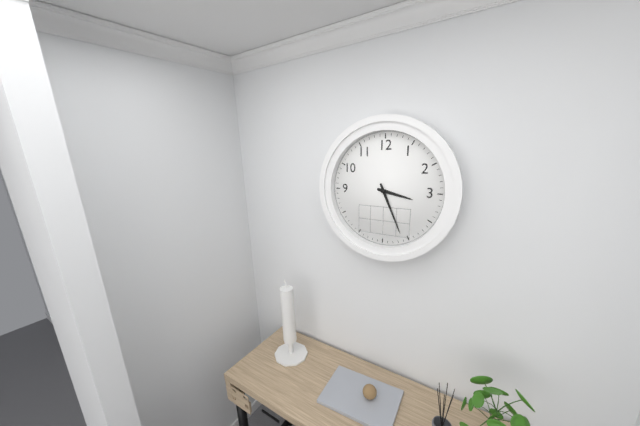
3 h 26 min
